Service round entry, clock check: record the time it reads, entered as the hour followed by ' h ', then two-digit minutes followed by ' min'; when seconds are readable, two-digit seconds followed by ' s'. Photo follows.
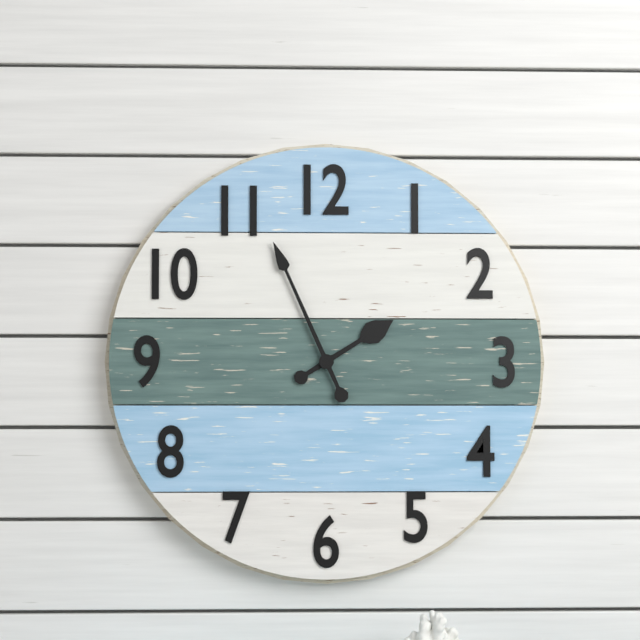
1 h 56 min
